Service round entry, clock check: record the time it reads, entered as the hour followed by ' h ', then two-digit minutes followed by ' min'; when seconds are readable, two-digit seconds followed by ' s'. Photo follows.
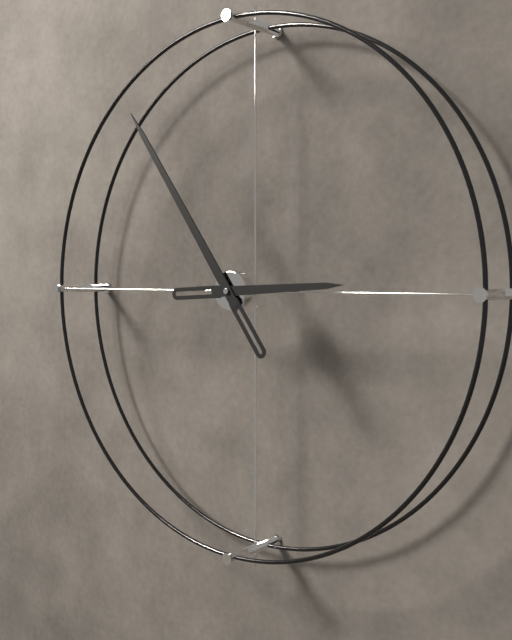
2 h 54 min
